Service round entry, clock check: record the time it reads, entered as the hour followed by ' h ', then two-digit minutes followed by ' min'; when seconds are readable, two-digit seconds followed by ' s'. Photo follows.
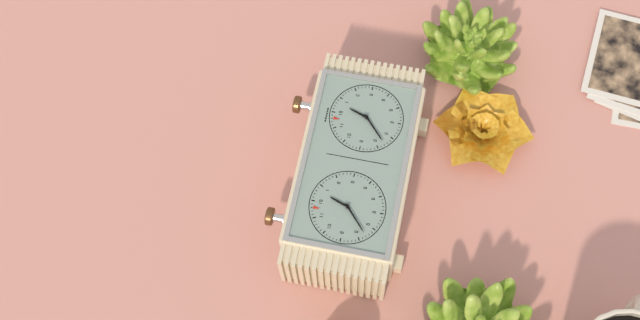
12 h 38 min
